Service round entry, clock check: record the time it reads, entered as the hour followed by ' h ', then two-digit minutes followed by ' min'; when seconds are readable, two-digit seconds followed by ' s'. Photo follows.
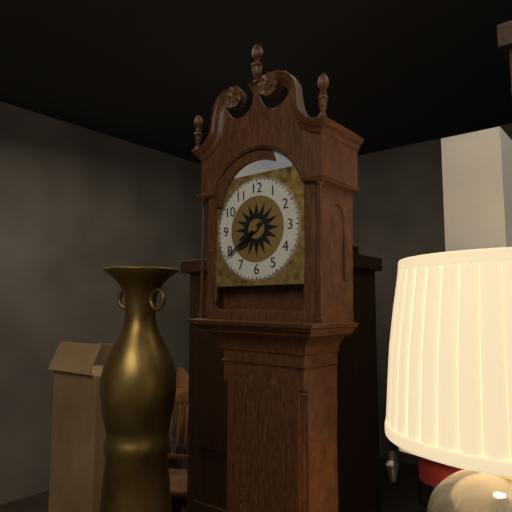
7 h 39 min
